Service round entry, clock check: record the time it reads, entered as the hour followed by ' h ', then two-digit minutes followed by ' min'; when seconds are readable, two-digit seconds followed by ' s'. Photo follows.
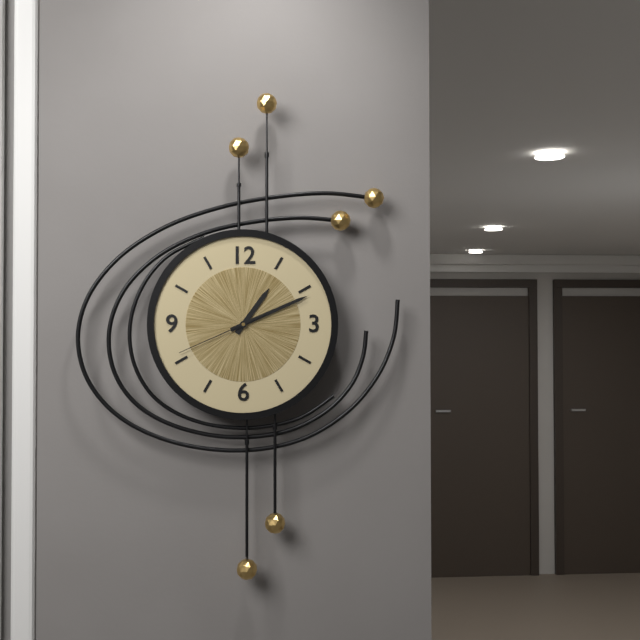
1 h 11 min 41 s
